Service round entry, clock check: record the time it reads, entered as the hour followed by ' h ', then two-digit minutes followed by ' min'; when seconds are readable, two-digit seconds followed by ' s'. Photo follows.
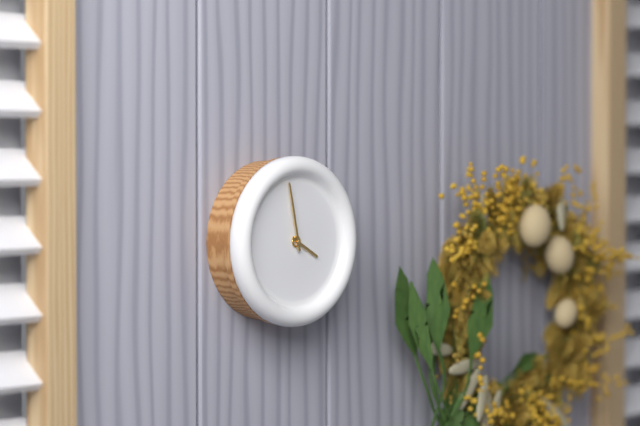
3 h 58 min
